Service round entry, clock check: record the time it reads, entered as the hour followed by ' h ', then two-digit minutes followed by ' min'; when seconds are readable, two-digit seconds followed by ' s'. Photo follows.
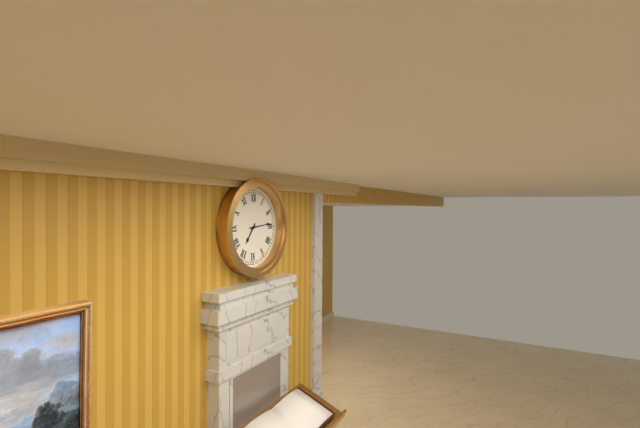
7 h 14 min
